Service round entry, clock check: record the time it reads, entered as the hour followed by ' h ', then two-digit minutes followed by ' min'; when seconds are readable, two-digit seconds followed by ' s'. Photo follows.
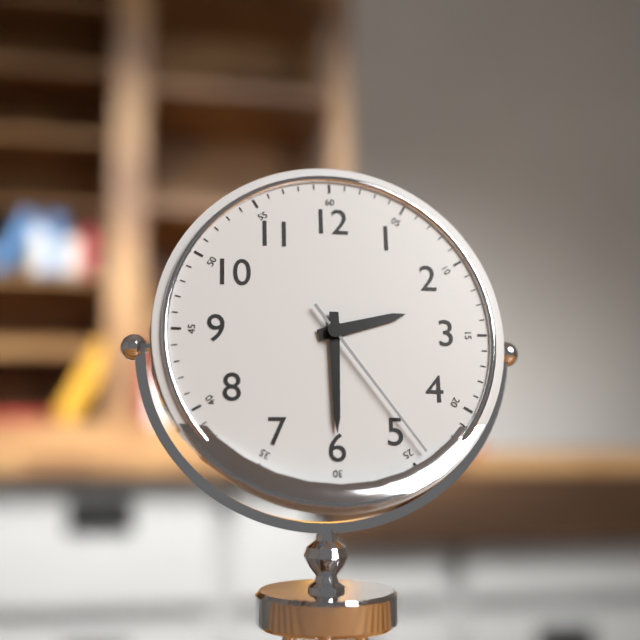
2 h 30 min 24 s
